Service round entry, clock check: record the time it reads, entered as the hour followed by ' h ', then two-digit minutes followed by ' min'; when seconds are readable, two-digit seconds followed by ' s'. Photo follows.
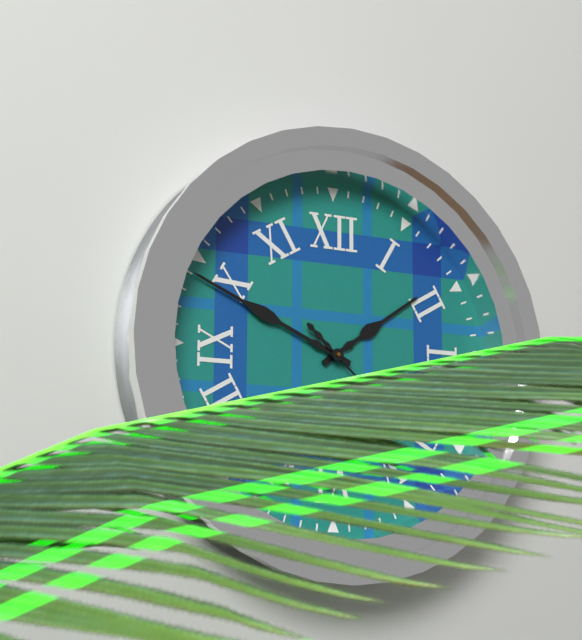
1 h 49 min
